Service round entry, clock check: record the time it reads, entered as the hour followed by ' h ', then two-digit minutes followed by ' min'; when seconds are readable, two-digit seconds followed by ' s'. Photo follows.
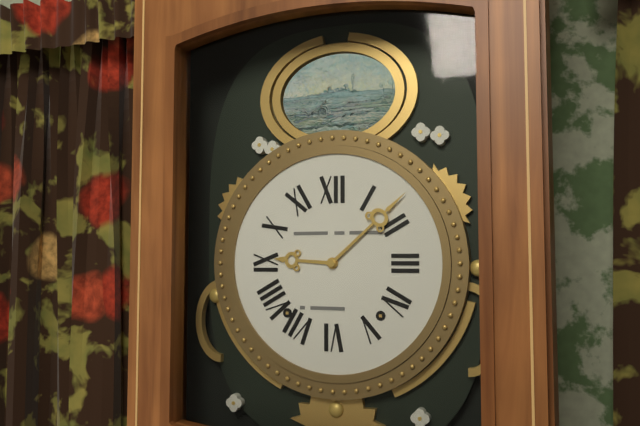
9 h 08 min
